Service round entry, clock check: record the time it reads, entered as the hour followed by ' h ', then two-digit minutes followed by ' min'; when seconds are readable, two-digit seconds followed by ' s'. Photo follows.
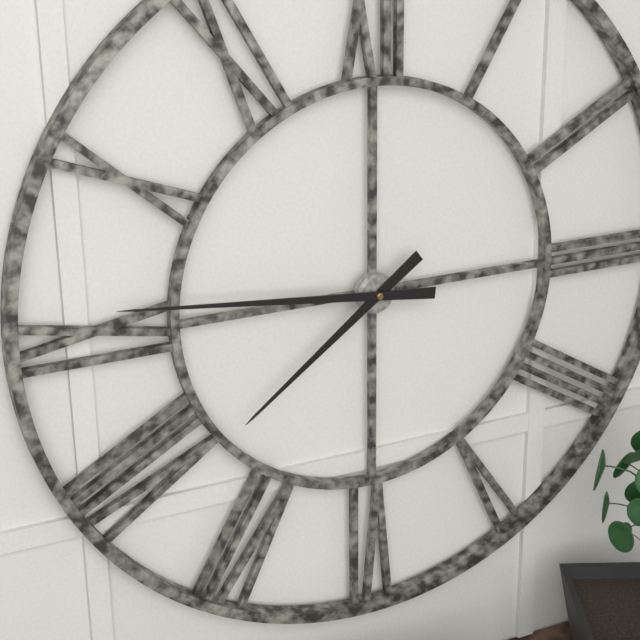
7 h 46 min
